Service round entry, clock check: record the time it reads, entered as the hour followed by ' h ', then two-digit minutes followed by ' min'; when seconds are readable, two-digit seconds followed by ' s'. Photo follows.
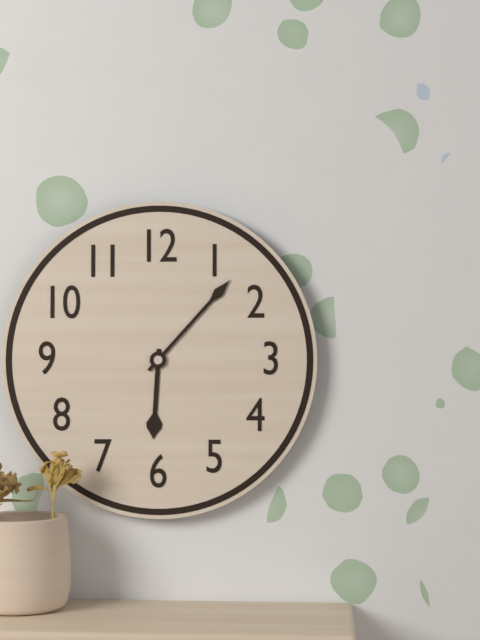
6 h 07 min
